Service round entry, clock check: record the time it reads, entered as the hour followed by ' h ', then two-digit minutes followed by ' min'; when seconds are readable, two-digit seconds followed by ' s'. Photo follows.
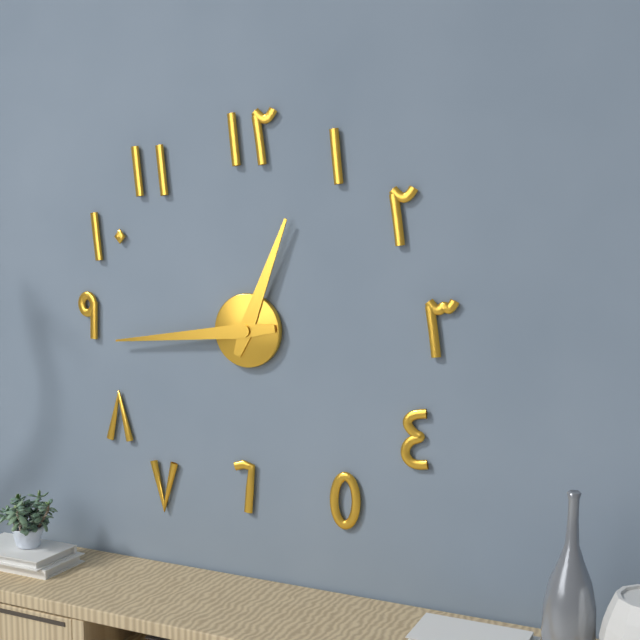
12 h 44 min
